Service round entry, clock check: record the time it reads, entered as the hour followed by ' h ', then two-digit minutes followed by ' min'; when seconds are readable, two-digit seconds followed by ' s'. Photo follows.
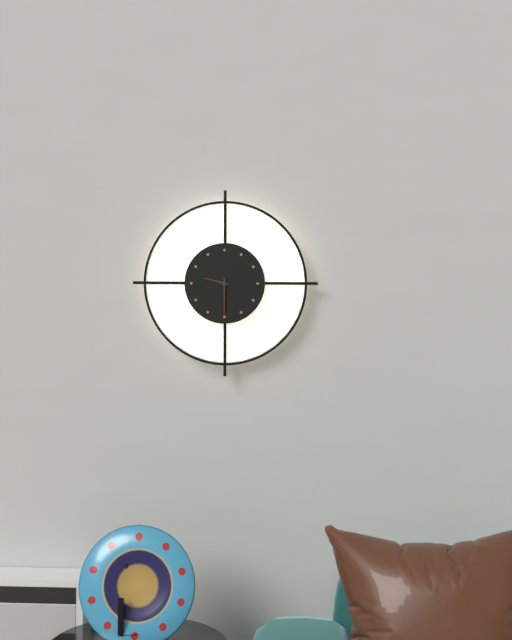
9 h 30 min
